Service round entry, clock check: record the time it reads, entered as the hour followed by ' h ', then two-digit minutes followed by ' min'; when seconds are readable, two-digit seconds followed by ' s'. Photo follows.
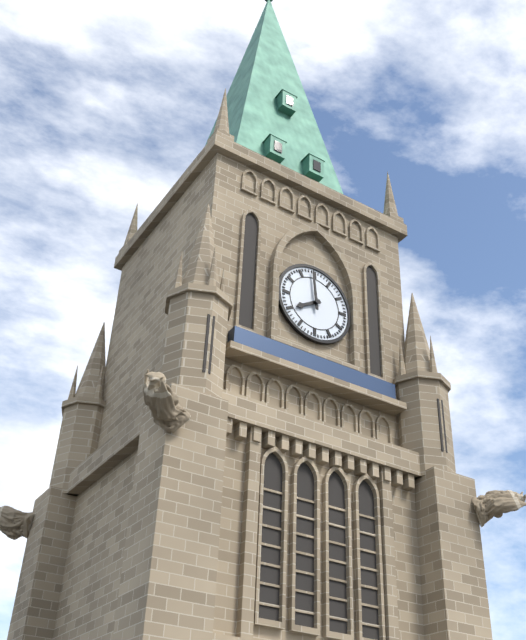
7 h 59 min
